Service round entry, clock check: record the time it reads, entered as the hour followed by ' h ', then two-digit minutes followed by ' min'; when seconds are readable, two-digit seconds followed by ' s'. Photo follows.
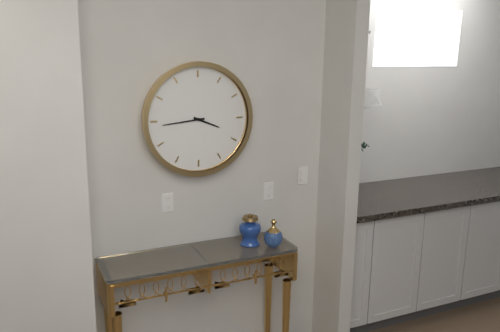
3 h 44 min
